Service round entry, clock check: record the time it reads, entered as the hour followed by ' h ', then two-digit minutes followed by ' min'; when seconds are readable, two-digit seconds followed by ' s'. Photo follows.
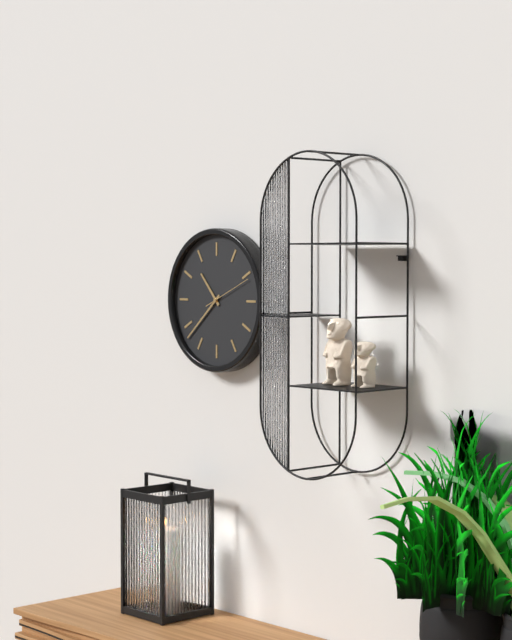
10 h 38 min
